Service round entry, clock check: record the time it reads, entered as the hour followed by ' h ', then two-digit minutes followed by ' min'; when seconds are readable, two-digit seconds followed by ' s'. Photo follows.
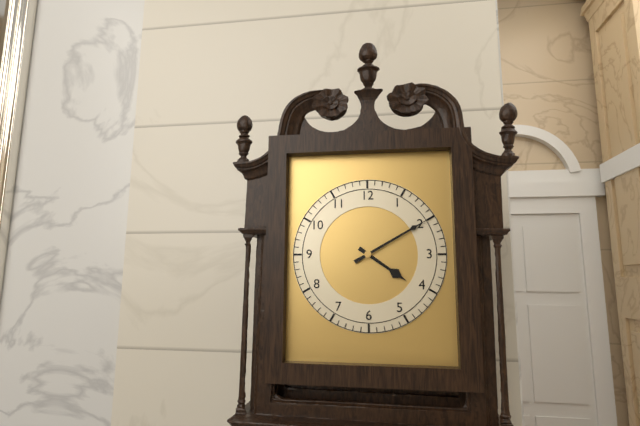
4 h 10 min
